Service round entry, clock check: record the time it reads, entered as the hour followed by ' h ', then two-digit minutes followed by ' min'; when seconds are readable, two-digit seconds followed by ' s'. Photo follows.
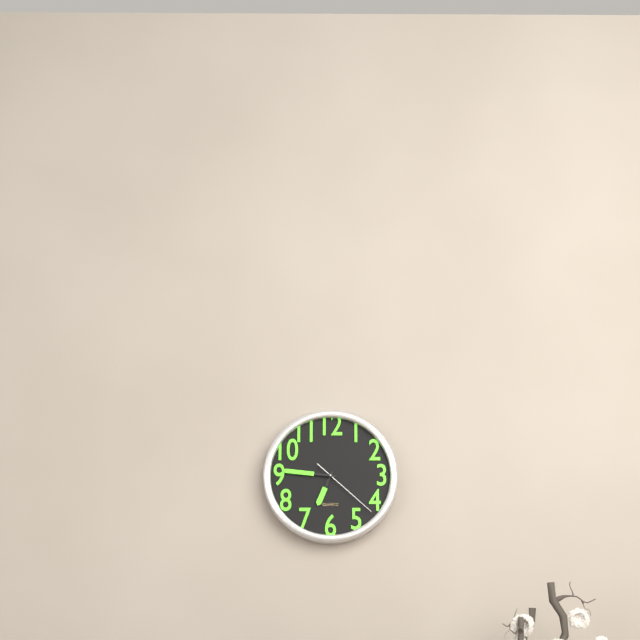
6 h 46 min 22 s
